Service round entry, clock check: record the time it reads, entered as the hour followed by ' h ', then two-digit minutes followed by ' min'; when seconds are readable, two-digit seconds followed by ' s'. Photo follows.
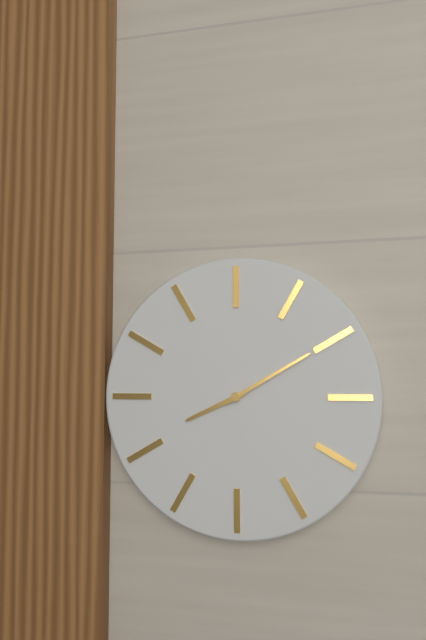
8 h 10 min
